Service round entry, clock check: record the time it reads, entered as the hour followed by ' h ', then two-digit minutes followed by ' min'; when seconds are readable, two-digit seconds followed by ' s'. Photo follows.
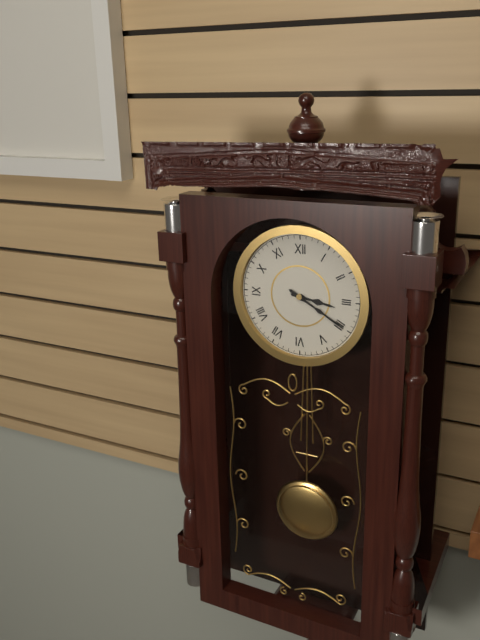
3 h 20 min
